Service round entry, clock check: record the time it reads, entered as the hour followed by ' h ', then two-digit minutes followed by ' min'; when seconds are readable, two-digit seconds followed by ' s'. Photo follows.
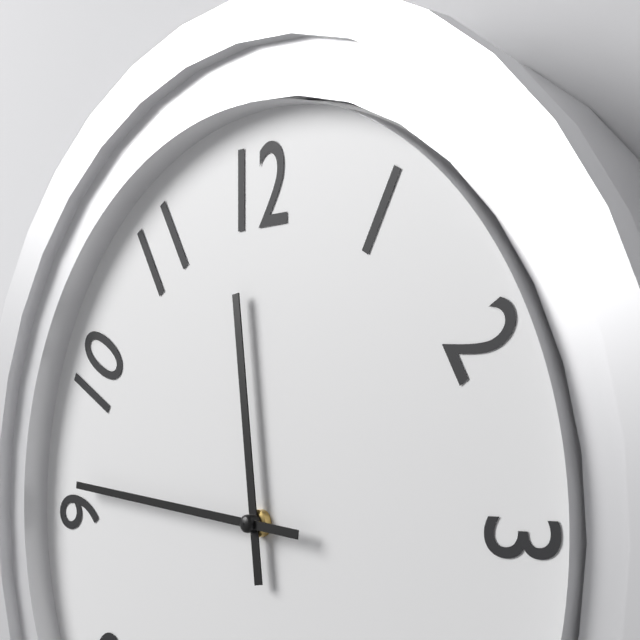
11 h 46 min
